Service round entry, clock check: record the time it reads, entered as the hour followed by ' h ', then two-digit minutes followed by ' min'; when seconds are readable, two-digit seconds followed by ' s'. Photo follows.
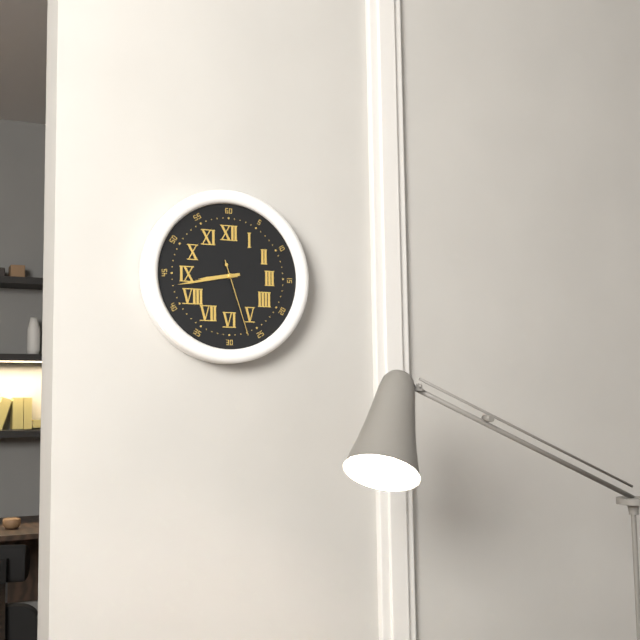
8 h 43 min 27 s
